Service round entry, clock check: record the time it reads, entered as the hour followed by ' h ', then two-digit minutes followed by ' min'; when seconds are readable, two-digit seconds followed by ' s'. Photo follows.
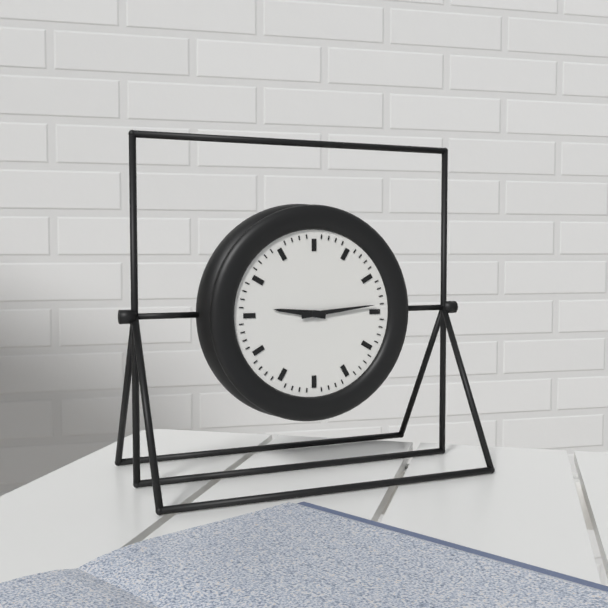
9 h 14 min
